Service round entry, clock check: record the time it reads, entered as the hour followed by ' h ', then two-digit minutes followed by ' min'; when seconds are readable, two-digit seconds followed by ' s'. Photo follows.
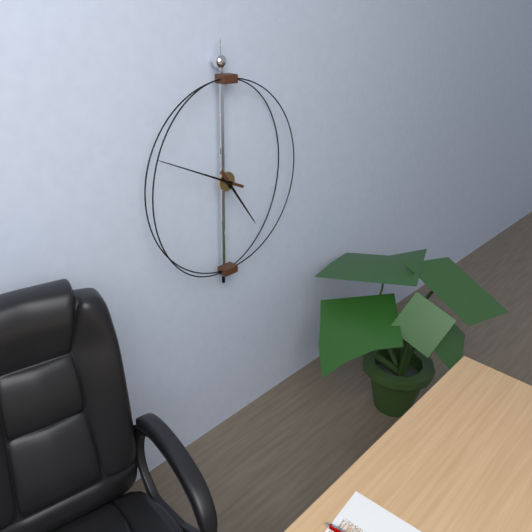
4 h 49 min
